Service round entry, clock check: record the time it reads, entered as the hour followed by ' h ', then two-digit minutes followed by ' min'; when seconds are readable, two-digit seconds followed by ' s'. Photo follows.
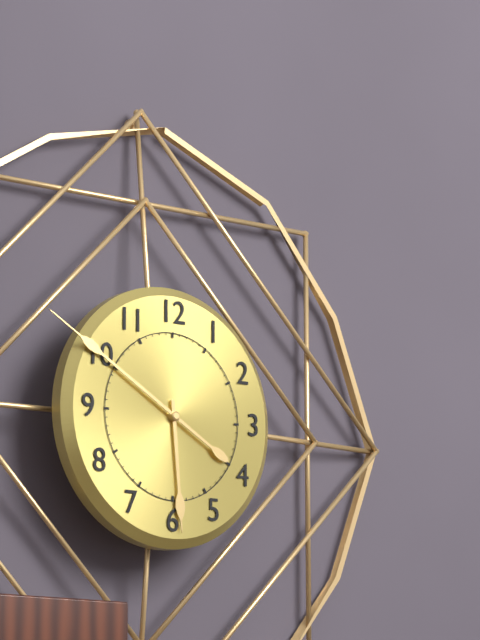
5 h 50 min
